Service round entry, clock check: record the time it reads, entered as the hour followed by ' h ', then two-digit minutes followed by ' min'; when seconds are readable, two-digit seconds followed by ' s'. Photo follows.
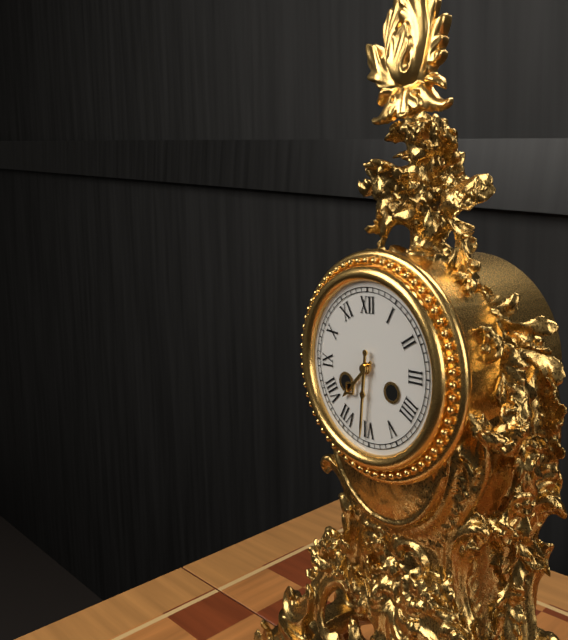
7 h 31 min
